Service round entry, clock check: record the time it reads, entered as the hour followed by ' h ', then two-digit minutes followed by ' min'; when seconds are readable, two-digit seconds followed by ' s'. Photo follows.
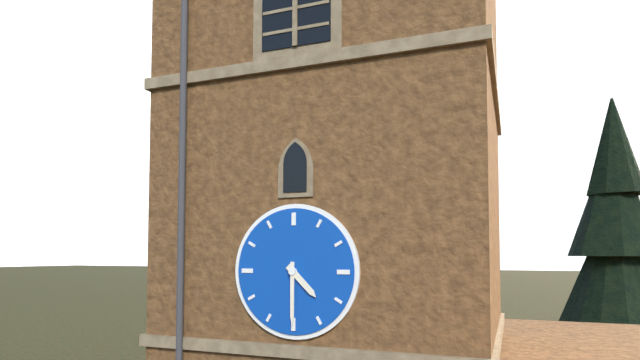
4 h 30 min
